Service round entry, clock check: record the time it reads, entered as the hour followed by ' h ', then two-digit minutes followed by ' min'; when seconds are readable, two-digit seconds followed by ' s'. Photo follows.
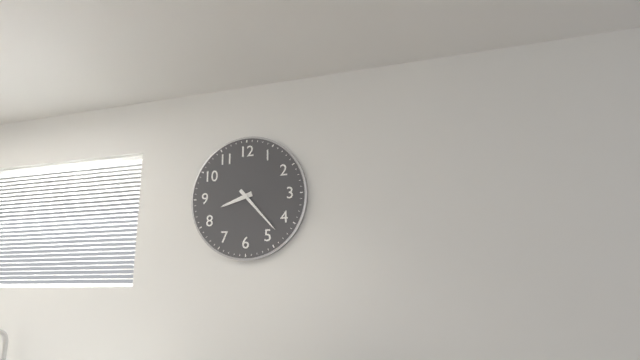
8 h 23 min
